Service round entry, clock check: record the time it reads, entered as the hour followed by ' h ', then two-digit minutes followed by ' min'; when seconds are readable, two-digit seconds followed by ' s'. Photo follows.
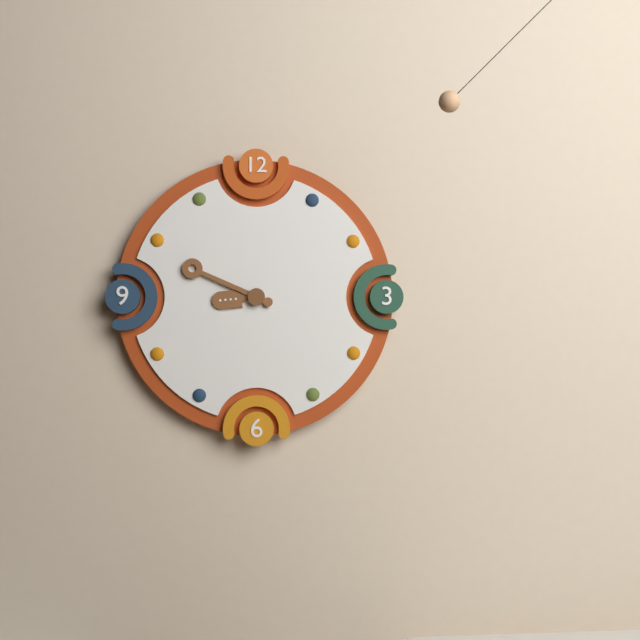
8 h 49 min
